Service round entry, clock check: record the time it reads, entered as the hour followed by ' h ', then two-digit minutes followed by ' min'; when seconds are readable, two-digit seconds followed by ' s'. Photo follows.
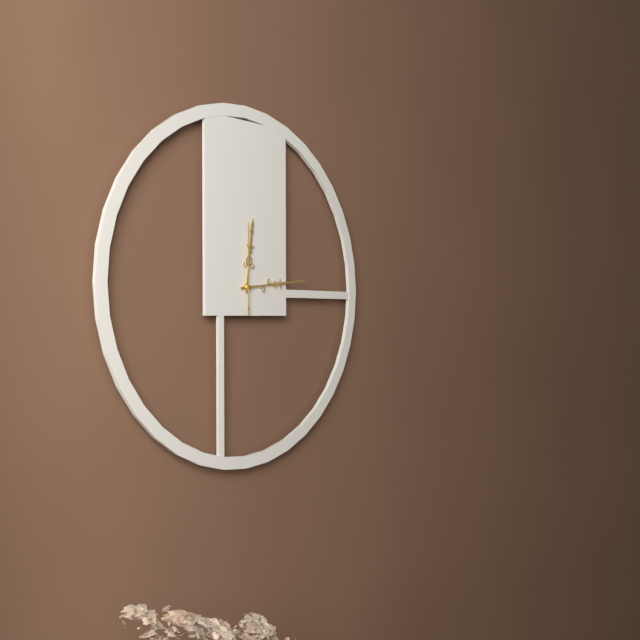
12 h 14 min 00 s
